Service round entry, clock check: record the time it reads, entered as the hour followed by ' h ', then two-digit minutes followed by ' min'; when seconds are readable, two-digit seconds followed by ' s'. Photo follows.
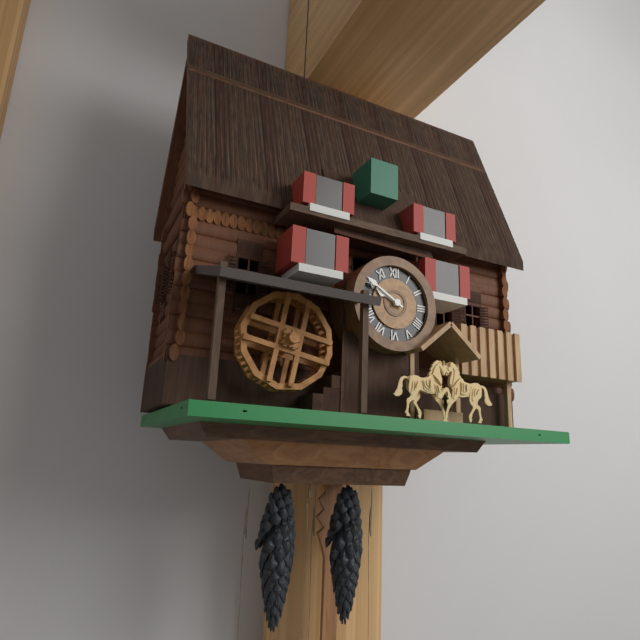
9 h 50 min
